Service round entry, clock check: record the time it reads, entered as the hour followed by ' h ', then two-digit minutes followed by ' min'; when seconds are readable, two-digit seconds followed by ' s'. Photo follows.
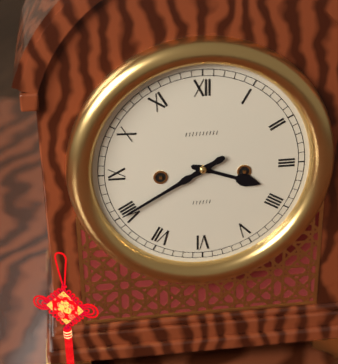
3 h 40 min
